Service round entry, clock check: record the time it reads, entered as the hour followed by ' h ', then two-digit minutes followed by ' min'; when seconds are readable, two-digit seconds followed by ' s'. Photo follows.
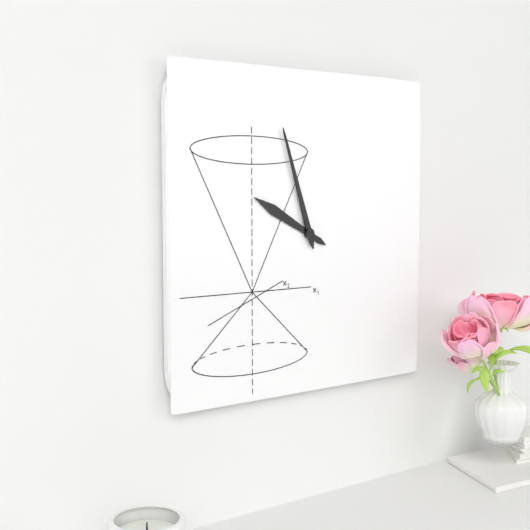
9 h 57 min
